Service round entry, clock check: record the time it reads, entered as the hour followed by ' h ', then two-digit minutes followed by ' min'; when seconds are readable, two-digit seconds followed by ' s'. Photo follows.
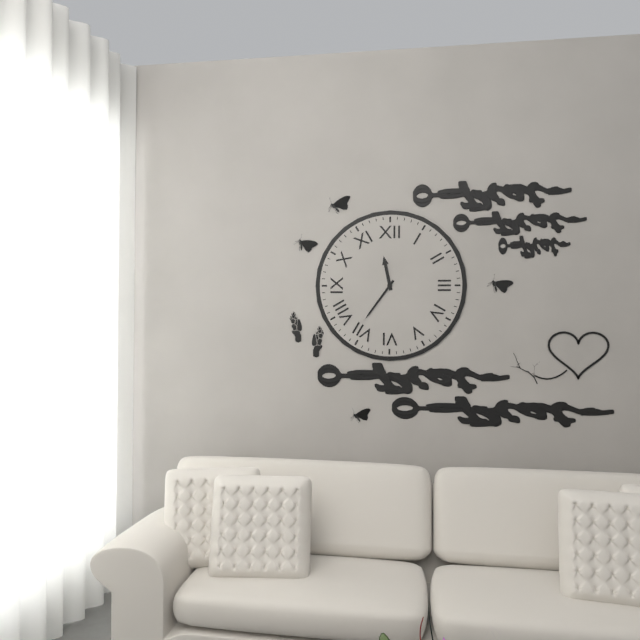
11 h 36 min
